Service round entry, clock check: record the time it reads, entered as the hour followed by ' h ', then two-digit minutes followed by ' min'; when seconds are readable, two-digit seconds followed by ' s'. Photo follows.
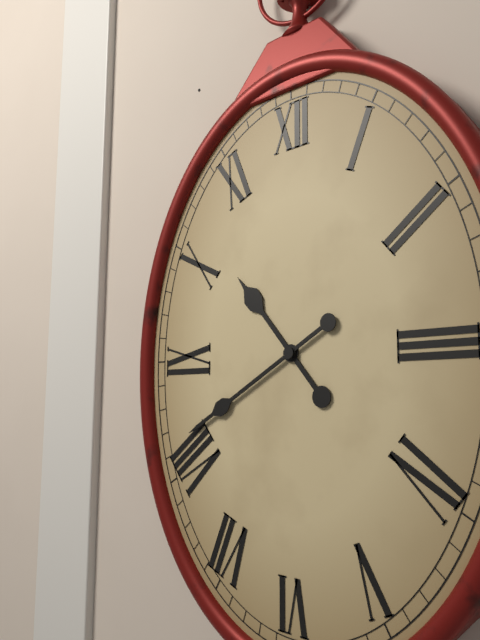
10 h 40 min
